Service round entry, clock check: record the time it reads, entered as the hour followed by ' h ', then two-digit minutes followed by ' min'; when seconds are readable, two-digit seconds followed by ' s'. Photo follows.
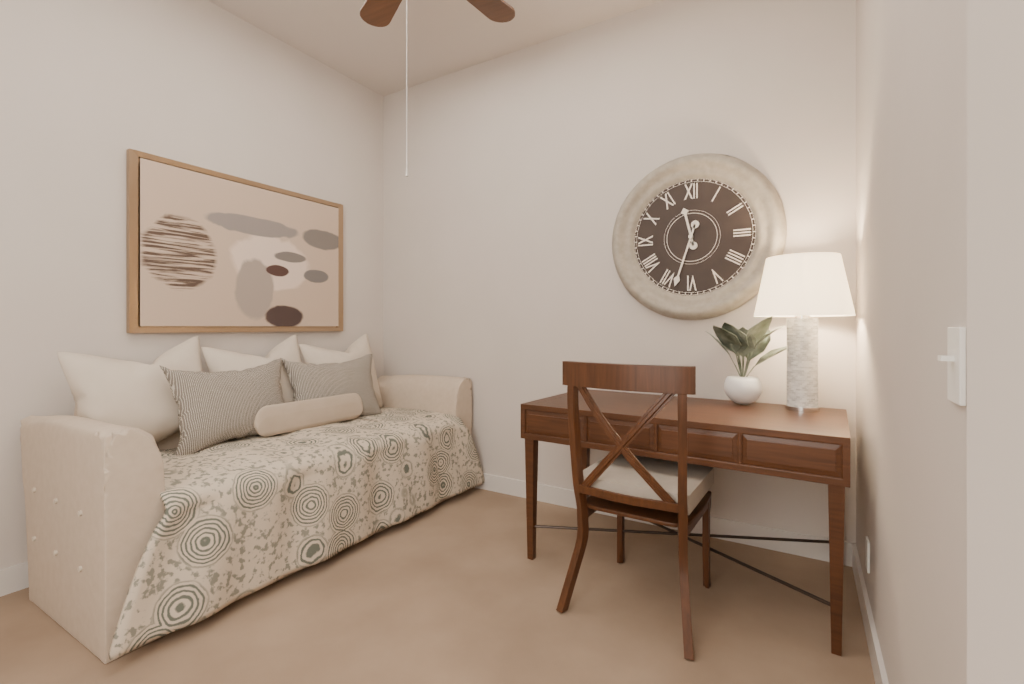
11 h 33 min
